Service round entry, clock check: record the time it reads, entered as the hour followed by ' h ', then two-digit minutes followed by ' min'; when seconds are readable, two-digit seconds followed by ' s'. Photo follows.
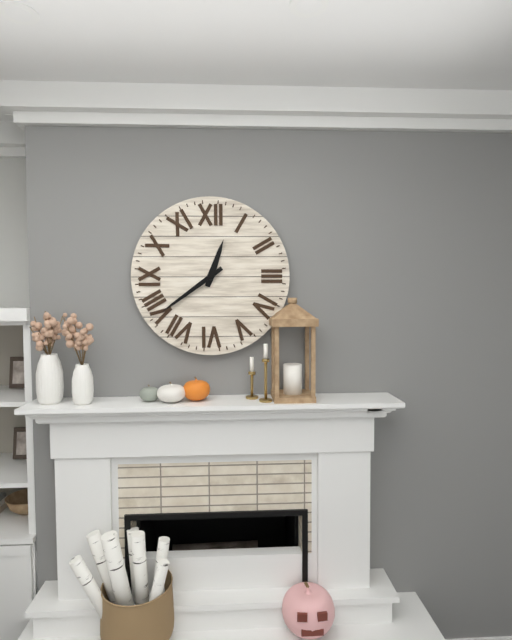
12 h 39 min
